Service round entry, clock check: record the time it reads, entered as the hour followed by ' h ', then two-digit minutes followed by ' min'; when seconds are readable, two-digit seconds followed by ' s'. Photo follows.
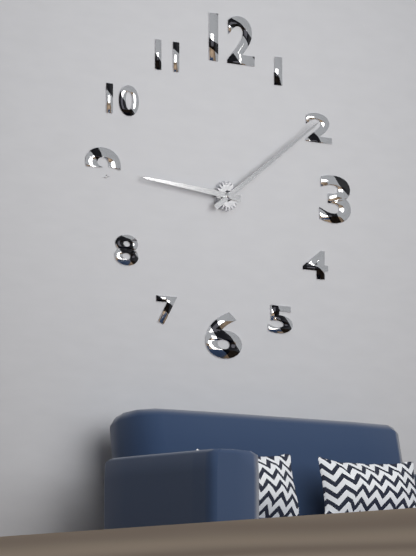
9 h 09 min
